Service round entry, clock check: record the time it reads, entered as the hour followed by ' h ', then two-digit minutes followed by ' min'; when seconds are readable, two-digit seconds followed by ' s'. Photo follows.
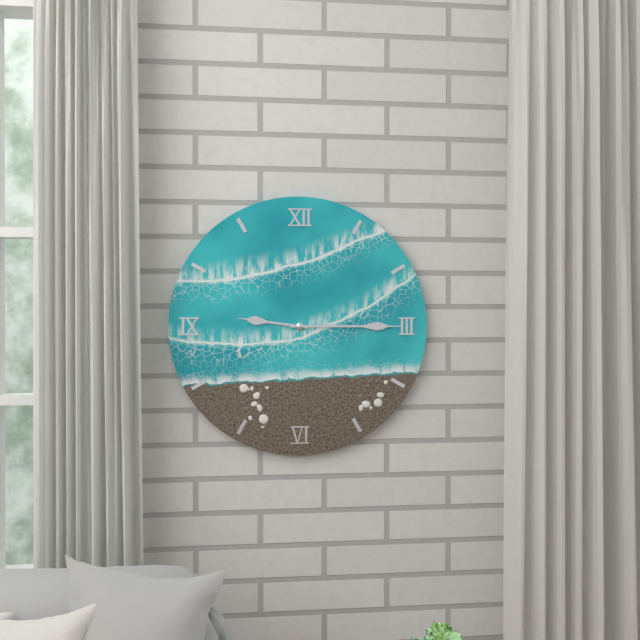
9 h 15 min
